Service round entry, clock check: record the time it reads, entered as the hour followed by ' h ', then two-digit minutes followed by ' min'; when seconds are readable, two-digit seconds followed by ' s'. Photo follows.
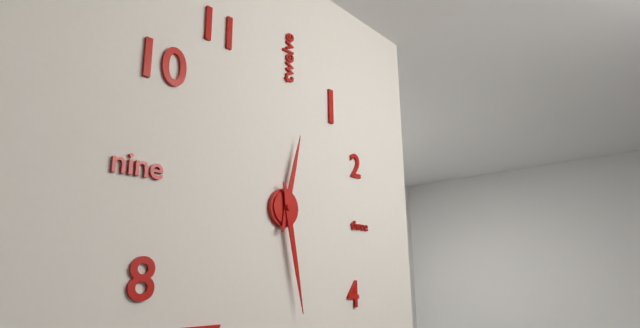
12 h 28 min
